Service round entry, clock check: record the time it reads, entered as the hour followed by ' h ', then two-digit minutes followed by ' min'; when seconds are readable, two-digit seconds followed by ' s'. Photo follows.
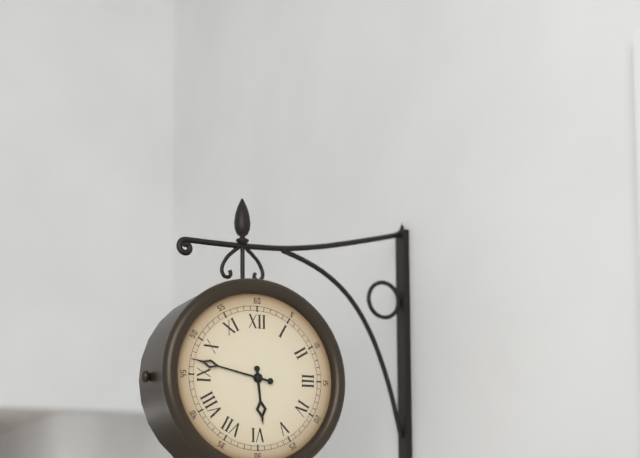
5 h 47 min
